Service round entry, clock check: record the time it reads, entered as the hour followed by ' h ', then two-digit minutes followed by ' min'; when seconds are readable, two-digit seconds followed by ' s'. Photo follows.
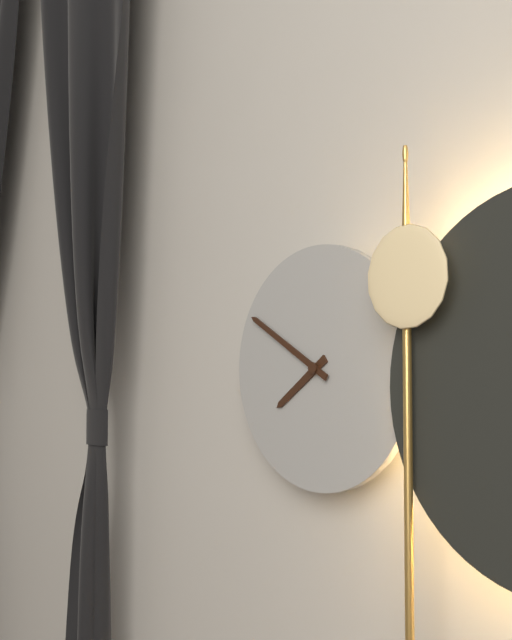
7 h 50 min
